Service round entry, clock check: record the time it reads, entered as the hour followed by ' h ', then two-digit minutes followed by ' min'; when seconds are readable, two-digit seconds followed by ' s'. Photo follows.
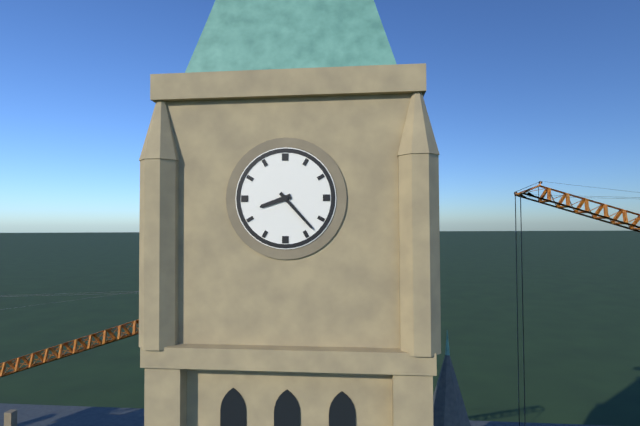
8 h 23 min
